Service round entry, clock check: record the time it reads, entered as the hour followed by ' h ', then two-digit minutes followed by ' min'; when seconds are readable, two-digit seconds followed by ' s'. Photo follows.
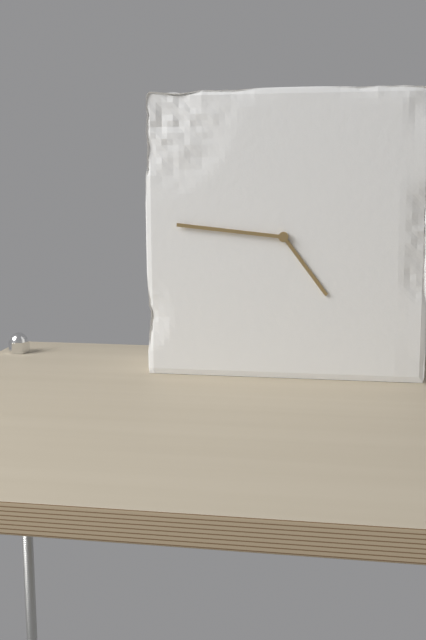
4 h 46 min
